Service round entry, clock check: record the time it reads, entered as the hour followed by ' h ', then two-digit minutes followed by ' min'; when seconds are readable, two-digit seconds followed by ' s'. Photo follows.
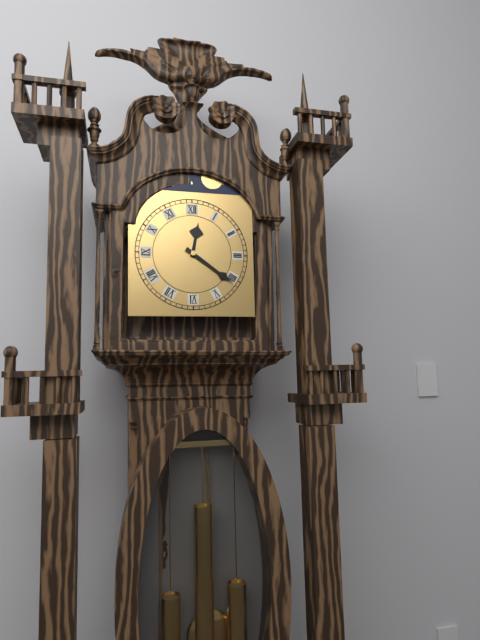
12 h 21 min
